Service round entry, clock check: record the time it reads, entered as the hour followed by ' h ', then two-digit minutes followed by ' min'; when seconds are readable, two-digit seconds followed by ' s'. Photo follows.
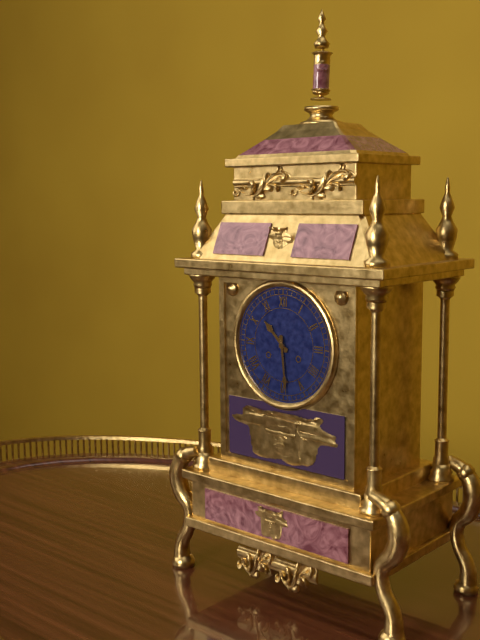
10 h 29 min
